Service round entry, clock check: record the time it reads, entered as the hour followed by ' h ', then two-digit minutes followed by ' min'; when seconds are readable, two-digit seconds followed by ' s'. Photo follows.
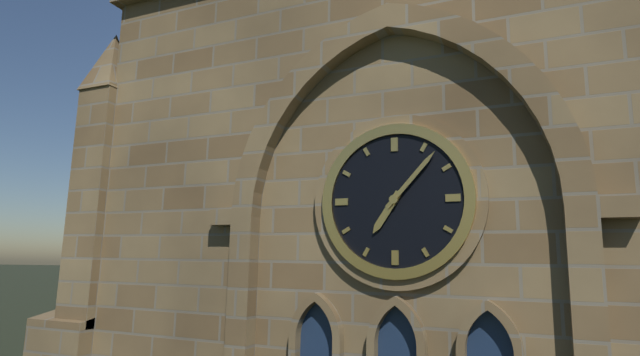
7 h 07 min
